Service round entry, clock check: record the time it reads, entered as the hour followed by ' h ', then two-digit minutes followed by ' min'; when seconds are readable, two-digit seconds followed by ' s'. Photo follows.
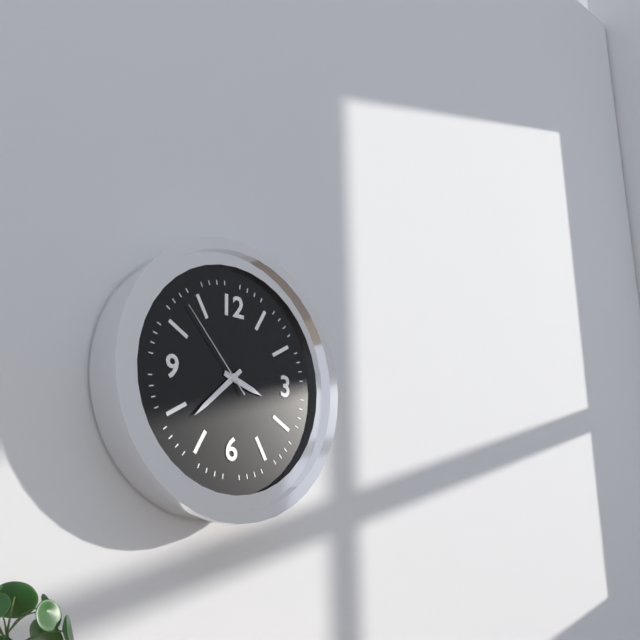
3 h 38 min 53 s
